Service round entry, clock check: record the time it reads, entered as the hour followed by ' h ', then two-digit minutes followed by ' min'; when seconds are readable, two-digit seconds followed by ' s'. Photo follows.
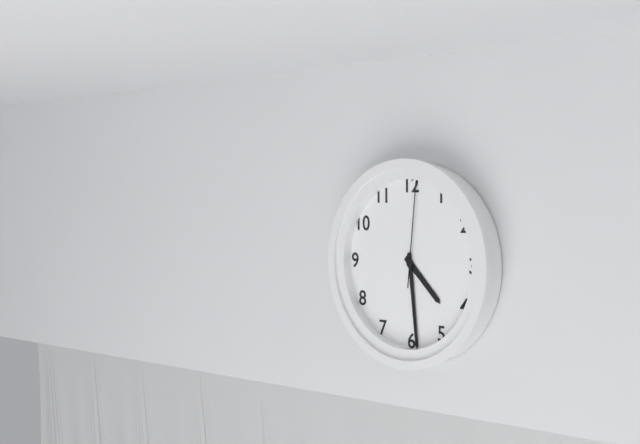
4 h 29 min 01 s
